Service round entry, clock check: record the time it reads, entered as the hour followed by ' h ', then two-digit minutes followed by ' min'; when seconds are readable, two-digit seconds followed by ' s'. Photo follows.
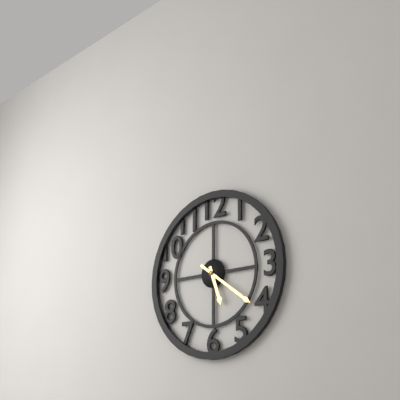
5 h 21 min
